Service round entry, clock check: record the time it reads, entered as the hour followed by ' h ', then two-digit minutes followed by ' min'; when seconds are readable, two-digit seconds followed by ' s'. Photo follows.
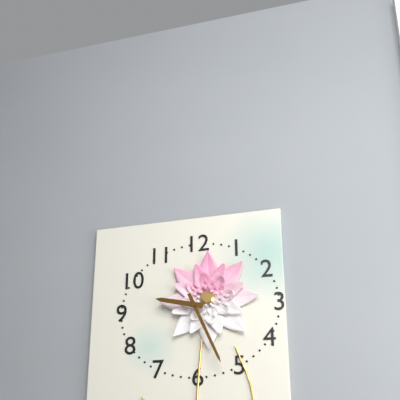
9 h 26 min
